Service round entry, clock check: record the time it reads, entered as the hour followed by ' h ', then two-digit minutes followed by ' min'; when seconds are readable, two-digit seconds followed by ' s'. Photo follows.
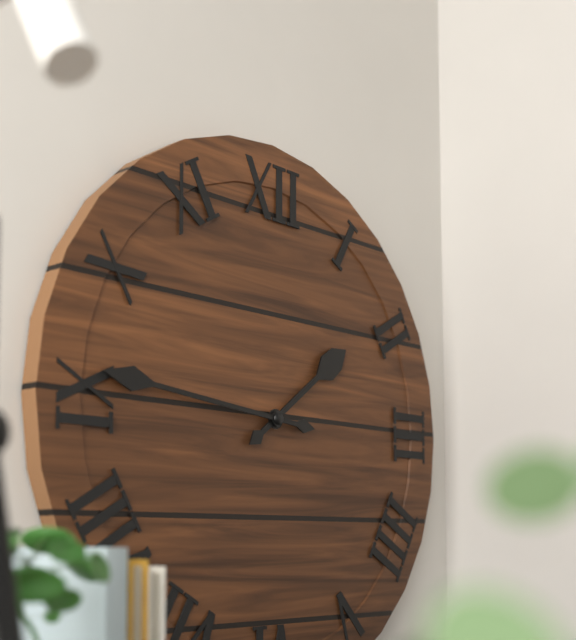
1 h 46 min
